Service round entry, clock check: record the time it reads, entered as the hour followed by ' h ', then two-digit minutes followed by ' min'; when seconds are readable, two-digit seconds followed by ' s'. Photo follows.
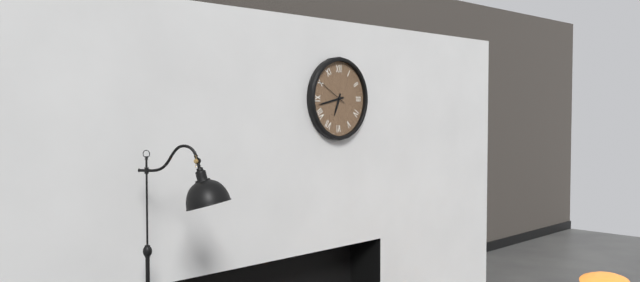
6 h 43 min
